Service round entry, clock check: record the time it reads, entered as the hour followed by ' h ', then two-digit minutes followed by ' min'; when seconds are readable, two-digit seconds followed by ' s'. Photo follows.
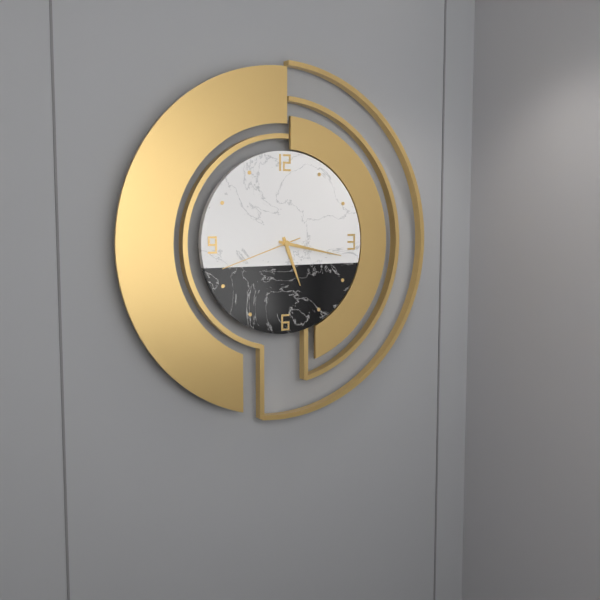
5 h 17 min 42 s
